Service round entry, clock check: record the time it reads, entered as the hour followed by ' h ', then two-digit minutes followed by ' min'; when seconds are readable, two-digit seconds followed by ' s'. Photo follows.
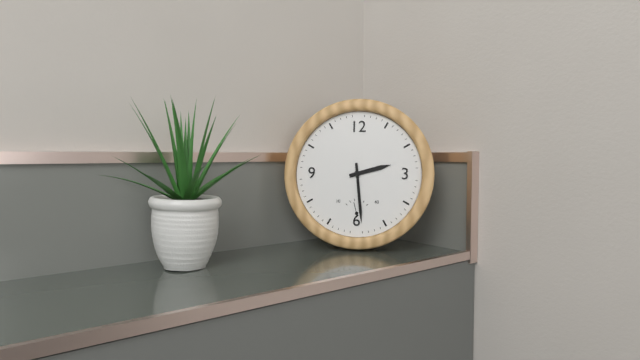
2 h 29 min
